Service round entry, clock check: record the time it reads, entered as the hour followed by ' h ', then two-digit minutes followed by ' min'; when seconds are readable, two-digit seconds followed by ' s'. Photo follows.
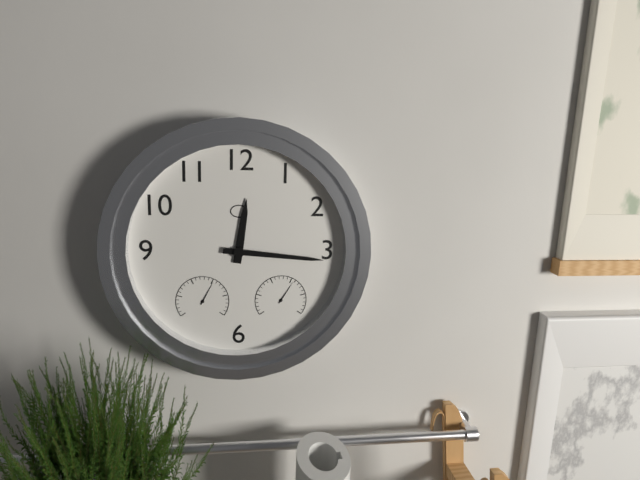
12 h 16 min
